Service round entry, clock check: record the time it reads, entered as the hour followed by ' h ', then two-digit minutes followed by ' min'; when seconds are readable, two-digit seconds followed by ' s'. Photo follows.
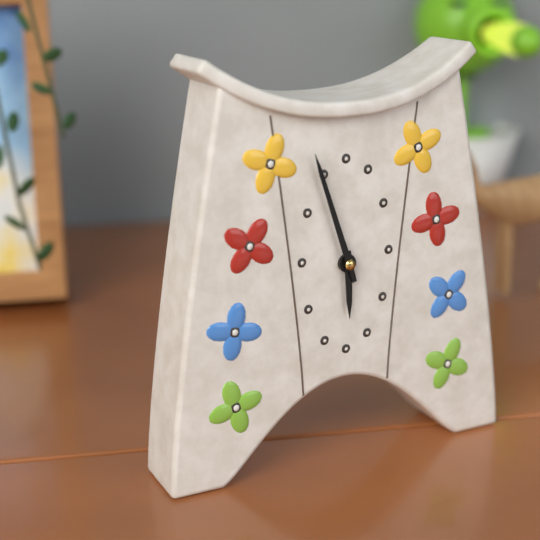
5 h 57 min
